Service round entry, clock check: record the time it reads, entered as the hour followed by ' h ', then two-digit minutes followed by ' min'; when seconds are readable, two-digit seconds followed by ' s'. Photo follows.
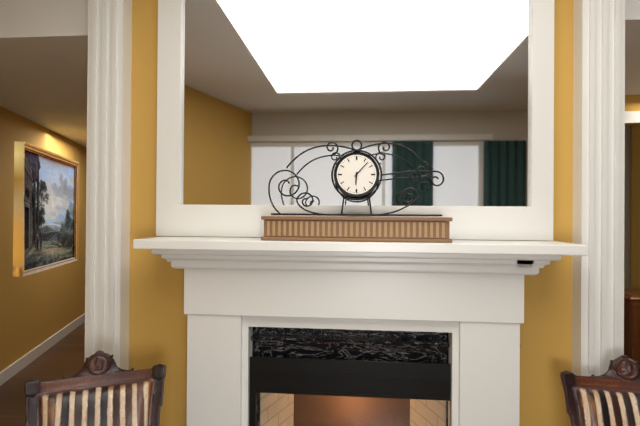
6 h 07 min
